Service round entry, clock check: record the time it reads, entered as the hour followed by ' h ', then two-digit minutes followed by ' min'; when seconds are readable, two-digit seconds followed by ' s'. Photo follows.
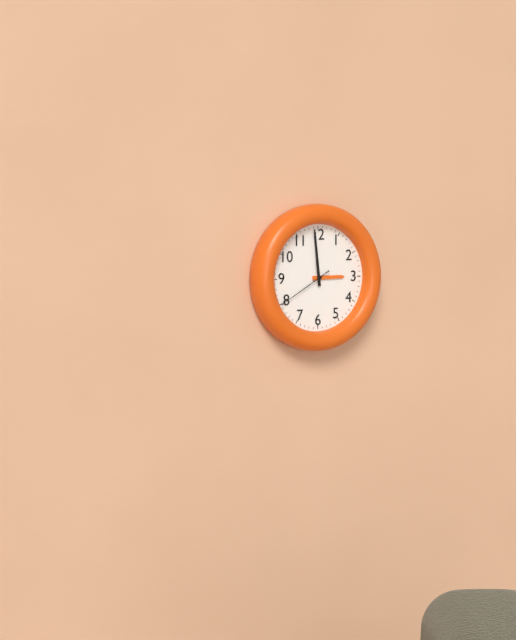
2 h 59 min 40 s
